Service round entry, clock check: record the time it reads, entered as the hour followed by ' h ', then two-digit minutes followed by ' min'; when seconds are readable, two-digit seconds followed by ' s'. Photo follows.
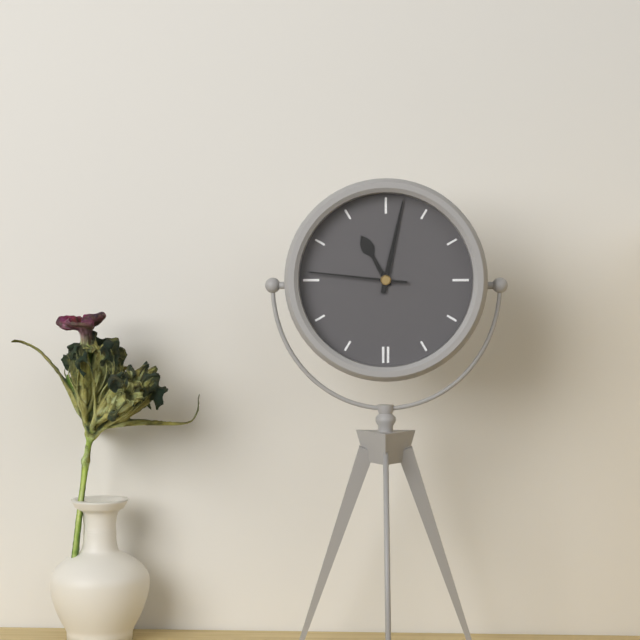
11 h 02 min 46 s
